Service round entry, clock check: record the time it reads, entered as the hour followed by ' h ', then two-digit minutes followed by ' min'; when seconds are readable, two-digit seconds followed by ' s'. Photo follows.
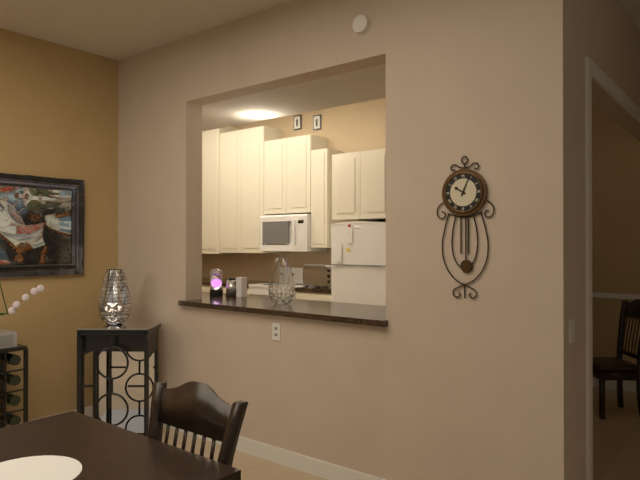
10 h 04 min
